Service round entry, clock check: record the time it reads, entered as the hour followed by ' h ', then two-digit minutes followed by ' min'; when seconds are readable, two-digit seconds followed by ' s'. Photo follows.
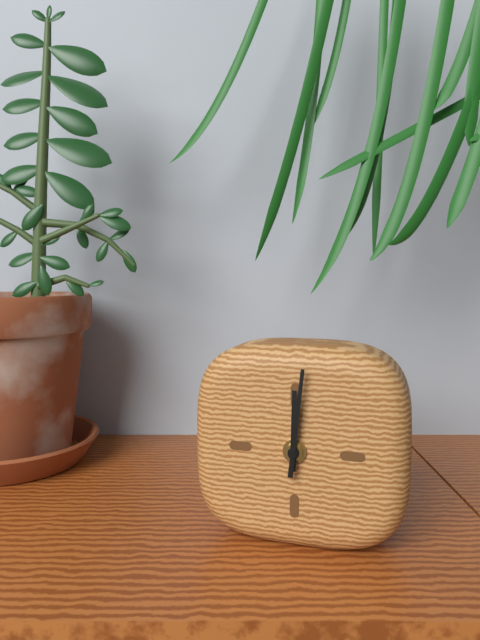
12 h 01 min
